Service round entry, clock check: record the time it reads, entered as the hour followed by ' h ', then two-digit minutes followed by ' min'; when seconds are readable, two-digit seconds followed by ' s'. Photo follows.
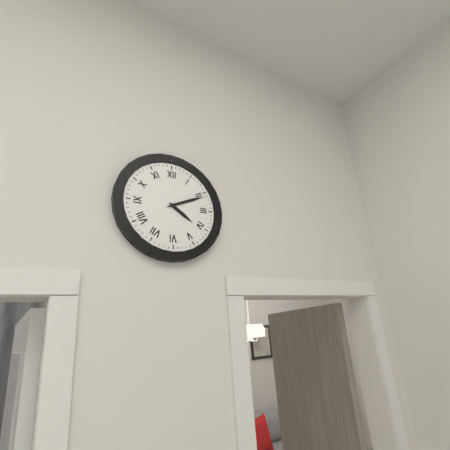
4 h 11 min
